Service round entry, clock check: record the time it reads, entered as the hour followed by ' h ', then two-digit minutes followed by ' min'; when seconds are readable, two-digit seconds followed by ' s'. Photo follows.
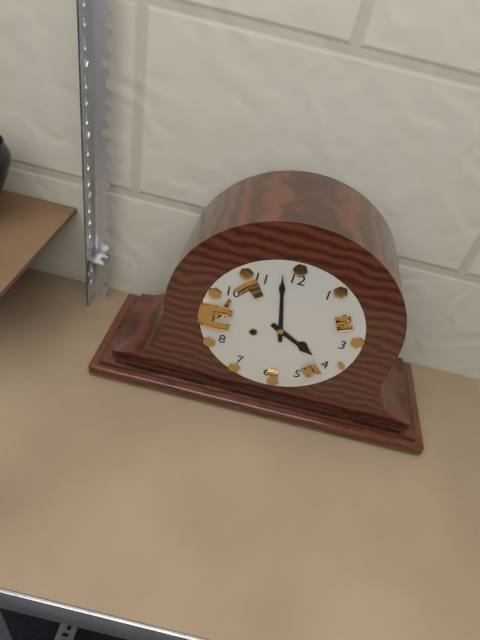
3 h 58 min
